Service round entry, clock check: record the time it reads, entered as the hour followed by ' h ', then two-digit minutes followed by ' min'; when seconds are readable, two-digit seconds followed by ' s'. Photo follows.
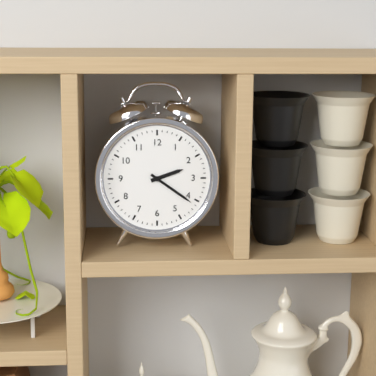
2 h 21 min
